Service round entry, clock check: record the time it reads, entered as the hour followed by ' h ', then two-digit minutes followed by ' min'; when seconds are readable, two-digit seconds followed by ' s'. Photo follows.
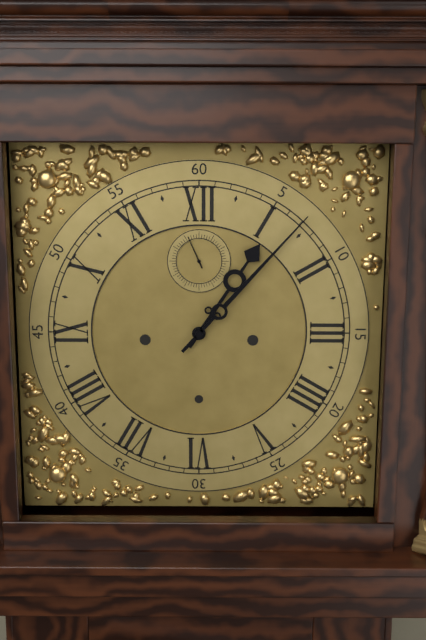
1 h 07 min
